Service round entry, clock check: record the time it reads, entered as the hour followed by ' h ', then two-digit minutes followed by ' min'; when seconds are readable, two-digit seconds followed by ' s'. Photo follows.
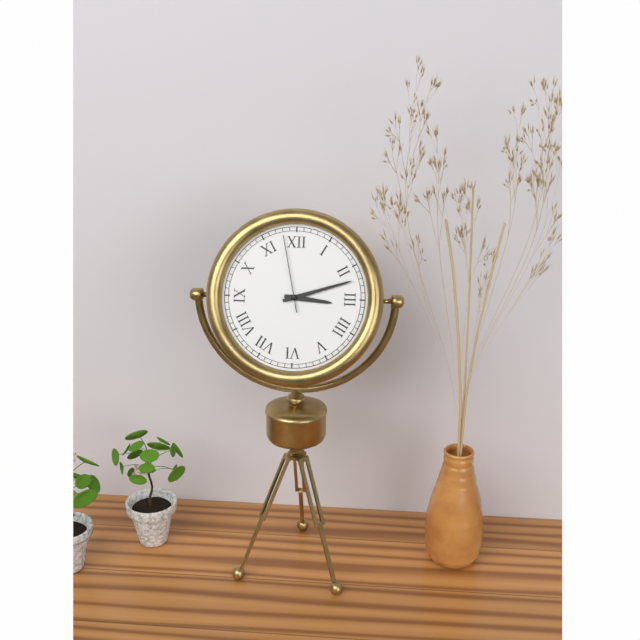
3 h 12 min 58 s
